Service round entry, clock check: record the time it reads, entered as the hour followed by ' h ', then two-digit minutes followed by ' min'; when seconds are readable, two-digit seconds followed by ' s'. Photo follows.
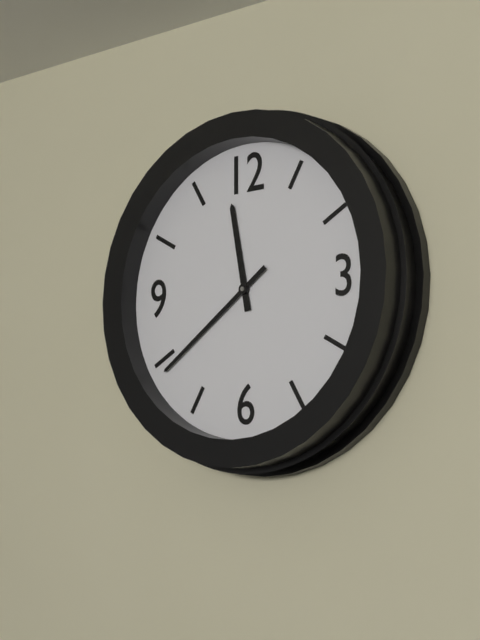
11 h 39 min
